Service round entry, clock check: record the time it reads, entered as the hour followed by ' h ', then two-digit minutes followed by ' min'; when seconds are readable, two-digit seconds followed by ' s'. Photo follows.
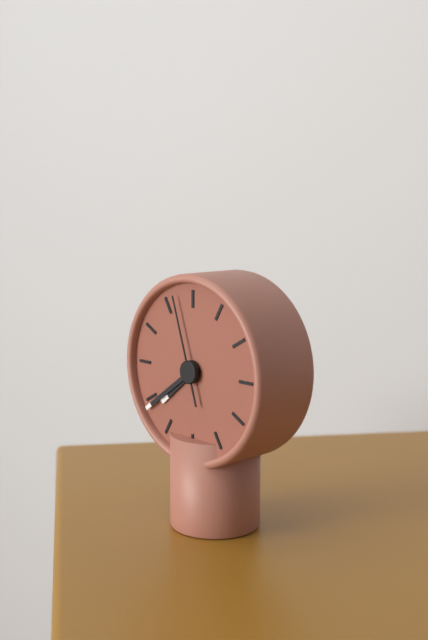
7 h 39 min 57 s
